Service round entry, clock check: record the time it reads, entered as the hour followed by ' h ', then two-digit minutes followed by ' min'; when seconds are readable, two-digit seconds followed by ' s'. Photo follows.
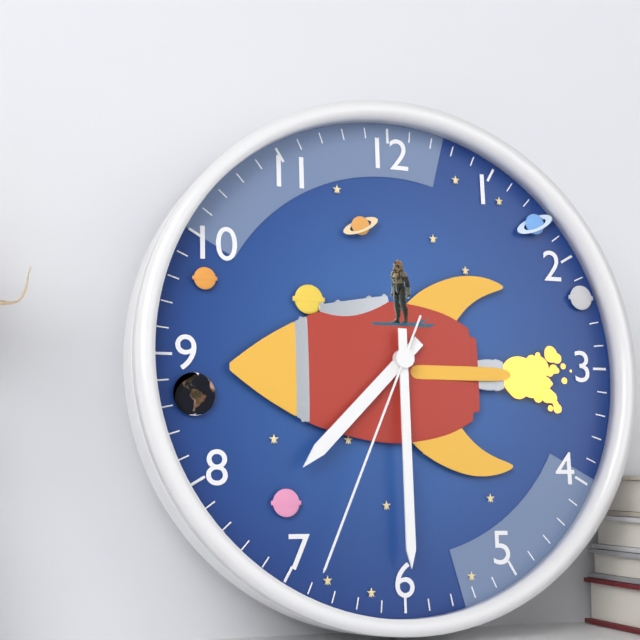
7 h 30 min 34 s
